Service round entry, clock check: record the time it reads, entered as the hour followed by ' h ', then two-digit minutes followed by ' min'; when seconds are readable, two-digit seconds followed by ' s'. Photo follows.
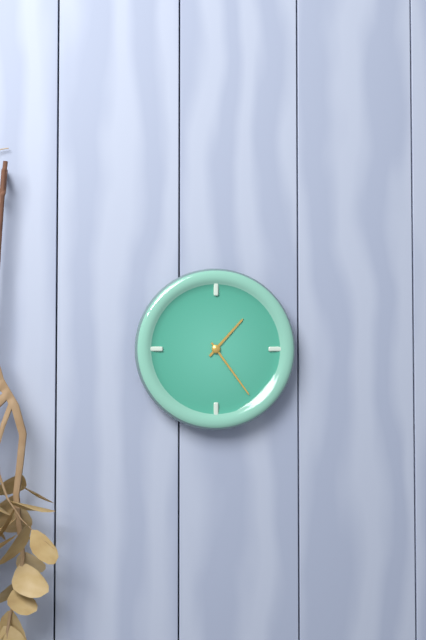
1 h 24 min
